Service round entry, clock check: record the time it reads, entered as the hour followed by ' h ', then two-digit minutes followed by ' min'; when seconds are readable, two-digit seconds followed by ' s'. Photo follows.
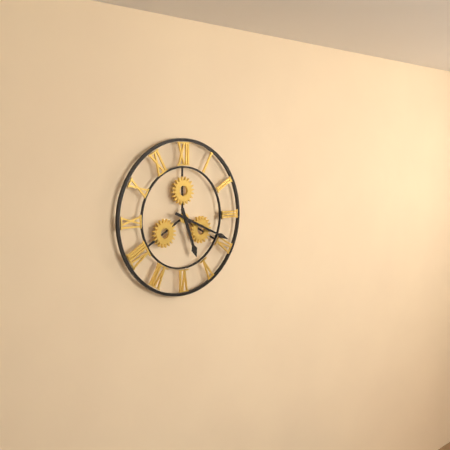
5 h 19 min
